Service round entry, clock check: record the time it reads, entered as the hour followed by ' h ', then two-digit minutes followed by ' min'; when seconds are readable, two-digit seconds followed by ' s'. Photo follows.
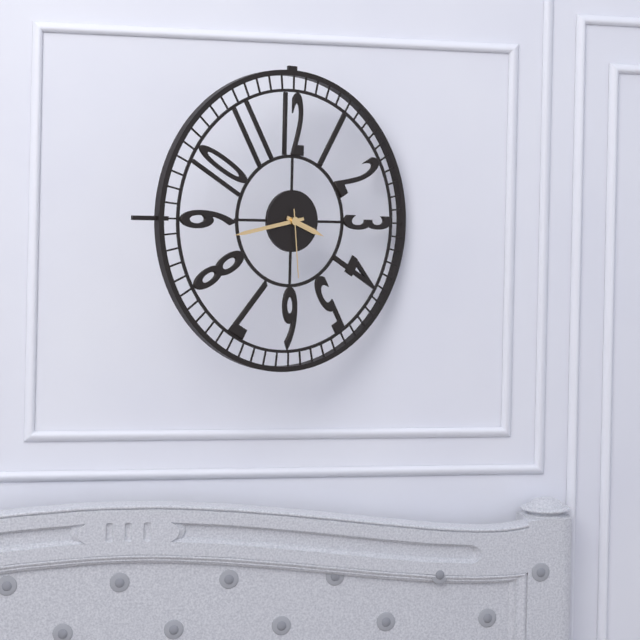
3 h 43 min 29 s
